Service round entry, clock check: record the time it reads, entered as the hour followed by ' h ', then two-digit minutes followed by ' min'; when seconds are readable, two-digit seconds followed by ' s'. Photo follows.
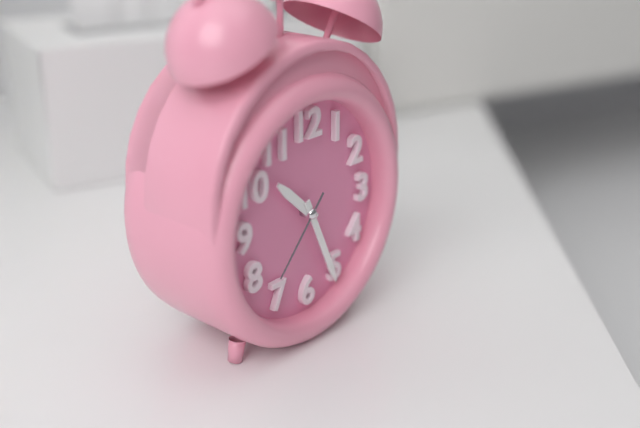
10 h 26 min 37 s
